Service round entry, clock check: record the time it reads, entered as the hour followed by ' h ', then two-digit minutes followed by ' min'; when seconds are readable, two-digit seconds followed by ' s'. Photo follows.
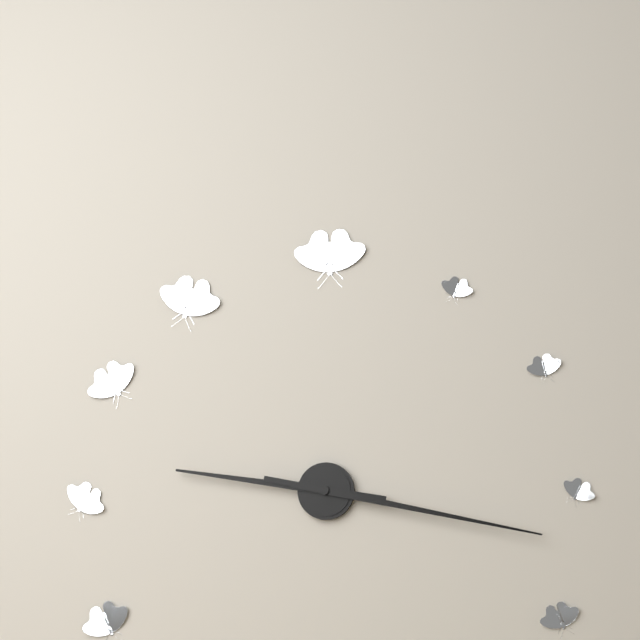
9 h 17 min
